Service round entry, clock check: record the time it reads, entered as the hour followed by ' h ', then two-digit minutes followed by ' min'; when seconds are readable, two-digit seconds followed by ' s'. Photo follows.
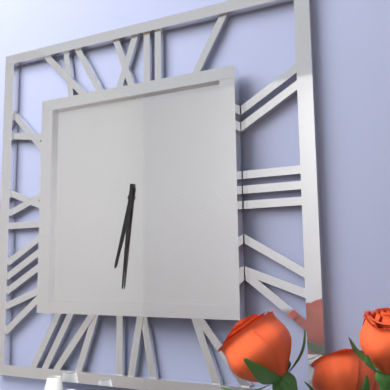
6 h 31 min
